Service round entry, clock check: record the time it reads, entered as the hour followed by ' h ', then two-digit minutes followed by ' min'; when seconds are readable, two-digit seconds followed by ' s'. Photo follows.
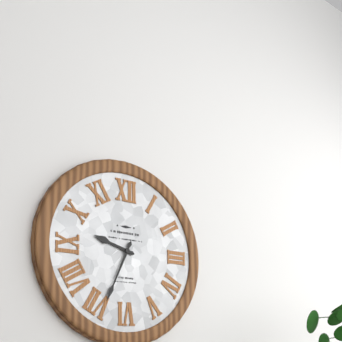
9 h 34 min
